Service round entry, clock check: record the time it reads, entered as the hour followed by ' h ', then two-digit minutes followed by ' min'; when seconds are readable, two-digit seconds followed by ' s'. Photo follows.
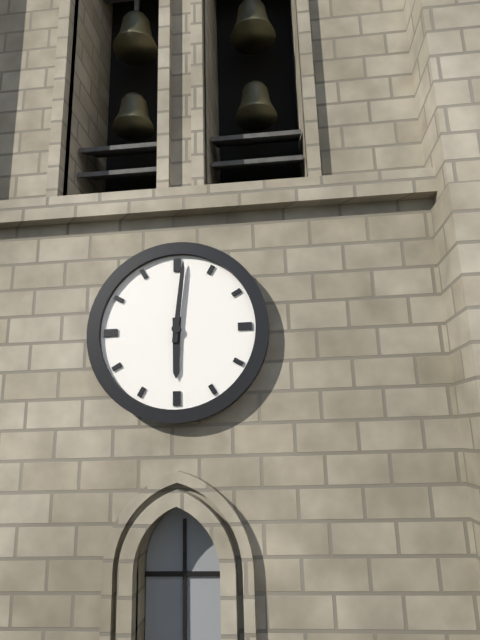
6 h 01 min
